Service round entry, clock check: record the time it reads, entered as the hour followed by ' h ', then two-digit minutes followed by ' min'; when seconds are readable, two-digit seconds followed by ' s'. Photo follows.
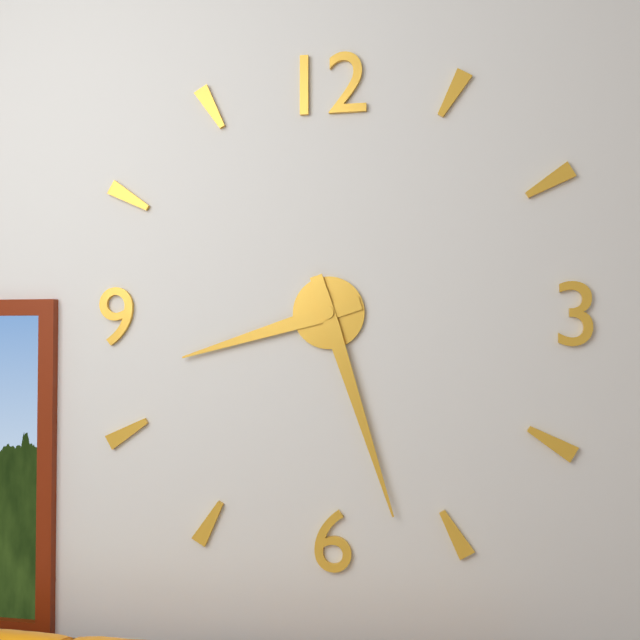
8 h 27 min
